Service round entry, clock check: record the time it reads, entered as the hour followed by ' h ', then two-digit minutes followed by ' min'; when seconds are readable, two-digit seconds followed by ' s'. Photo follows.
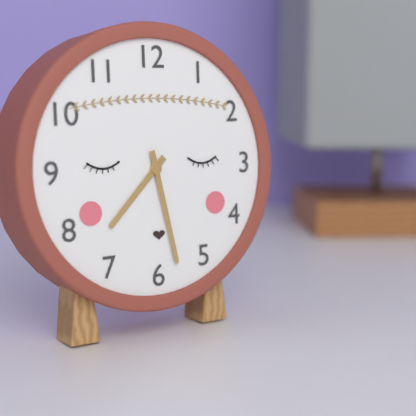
7 h 28 min
